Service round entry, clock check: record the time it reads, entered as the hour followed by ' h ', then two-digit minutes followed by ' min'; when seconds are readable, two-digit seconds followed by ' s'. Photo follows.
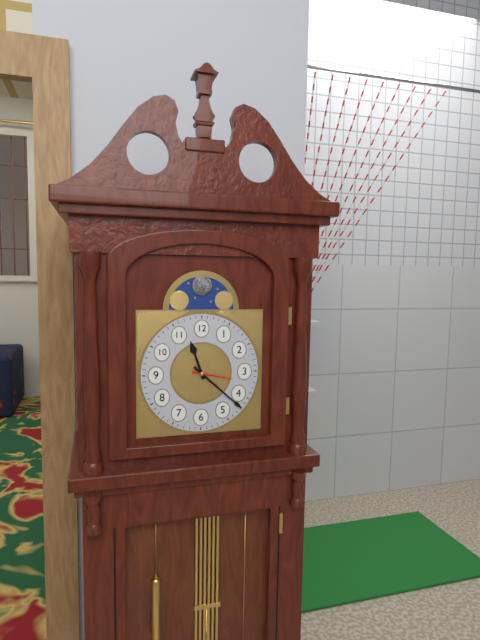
11 h 22 min
